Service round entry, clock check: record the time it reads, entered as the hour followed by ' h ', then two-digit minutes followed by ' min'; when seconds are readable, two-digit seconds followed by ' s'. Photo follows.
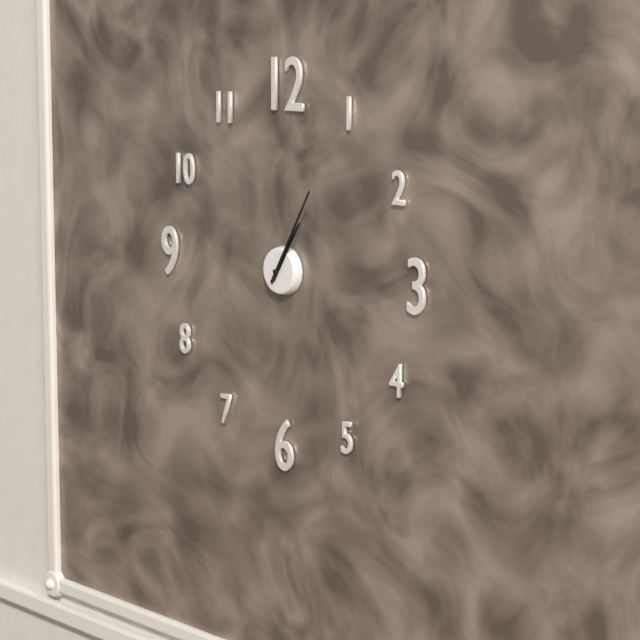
1 h 05 min
